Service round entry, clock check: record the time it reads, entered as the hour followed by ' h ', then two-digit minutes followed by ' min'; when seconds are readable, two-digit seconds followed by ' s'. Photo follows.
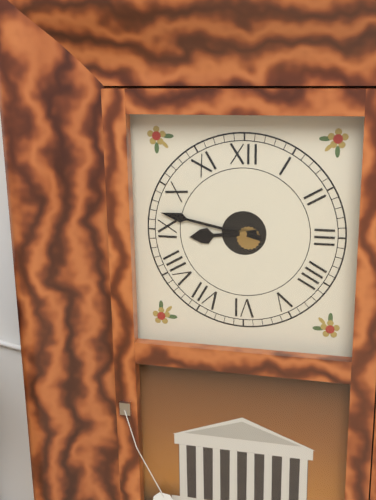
8 h 47 min
